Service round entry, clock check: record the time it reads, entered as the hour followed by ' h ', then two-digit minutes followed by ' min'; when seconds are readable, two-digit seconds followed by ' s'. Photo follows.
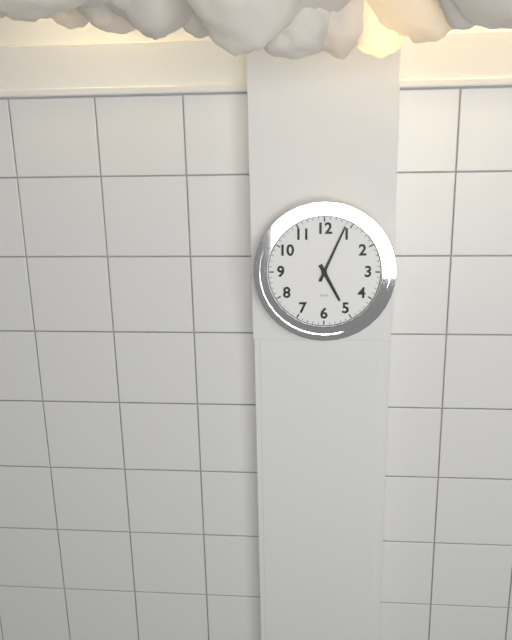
5 h 04 min
